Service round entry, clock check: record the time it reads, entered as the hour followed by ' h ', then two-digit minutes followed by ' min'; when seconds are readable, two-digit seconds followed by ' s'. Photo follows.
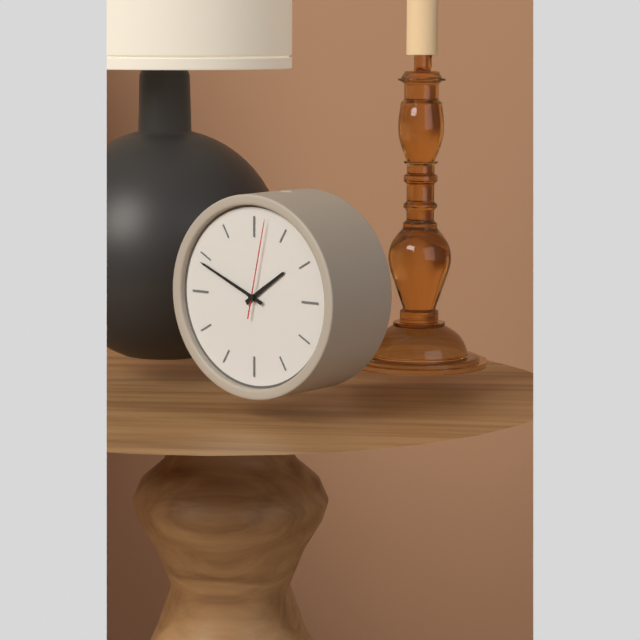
1 h 49 min 02 s
